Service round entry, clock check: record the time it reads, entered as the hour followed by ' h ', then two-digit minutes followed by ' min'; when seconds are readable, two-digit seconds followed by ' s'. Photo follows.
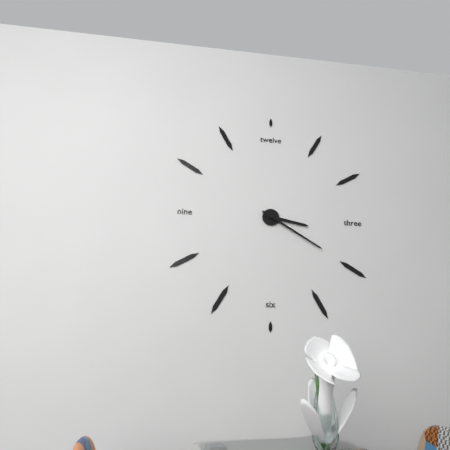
3 h 20 min
